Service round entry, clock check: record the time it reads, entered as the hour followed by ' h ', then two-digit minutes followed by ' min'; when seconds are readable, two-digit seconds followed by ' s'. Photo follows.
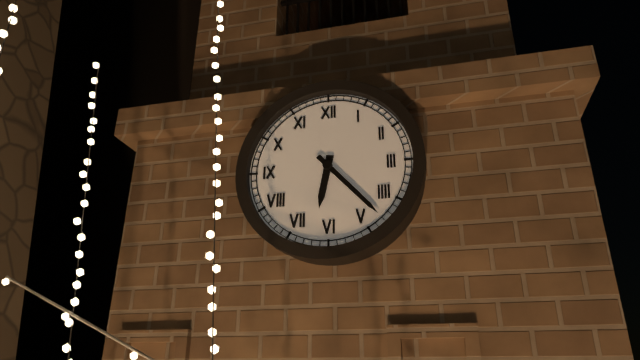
6 h 23 min
